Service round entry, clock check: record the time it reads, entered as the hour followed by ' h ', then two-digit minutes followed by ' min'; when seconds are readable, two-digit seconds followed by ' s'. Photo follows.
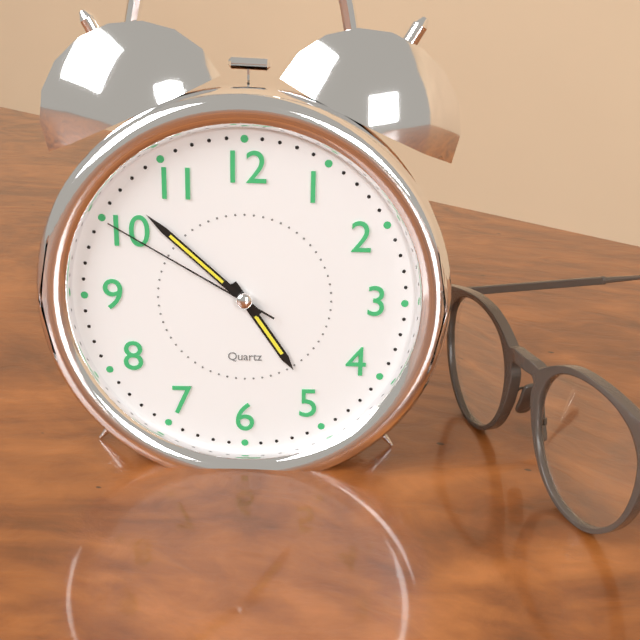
4 h 52 min 50 s
